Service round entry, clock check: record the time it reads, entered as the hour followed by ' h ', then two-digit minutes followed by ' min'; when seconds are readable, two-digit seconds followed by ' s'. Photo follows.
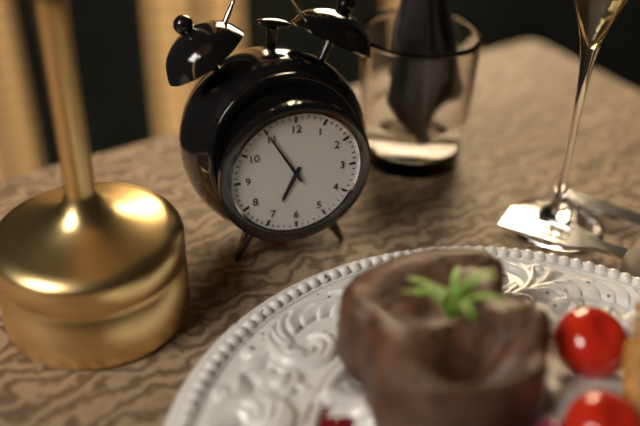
6 h 55 min
